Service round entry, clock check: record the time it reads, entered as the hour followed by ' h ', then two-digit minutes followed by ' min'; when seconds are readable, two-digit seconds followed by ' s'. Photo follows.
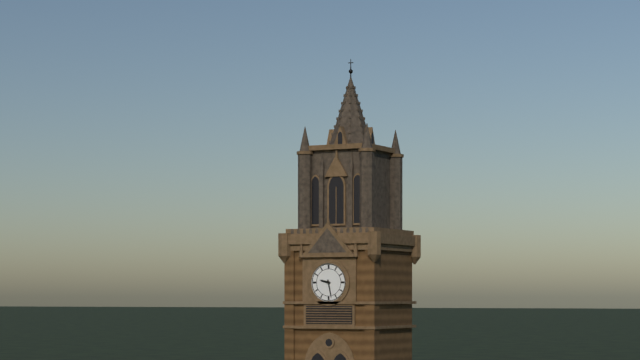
9 h 28 min
